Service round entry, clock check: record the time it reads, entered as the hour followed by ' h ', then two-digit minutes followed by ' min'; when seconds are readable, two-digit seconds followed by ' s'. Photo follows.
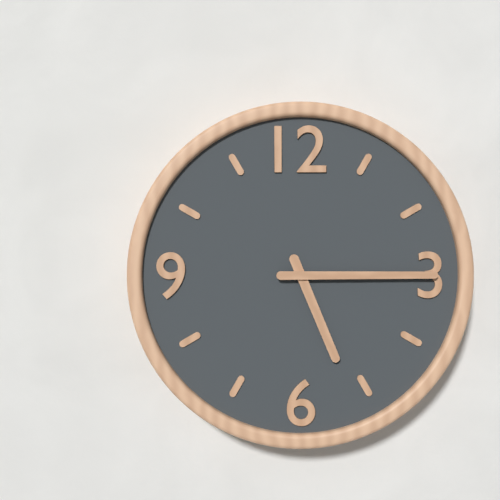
5 h 15 min
